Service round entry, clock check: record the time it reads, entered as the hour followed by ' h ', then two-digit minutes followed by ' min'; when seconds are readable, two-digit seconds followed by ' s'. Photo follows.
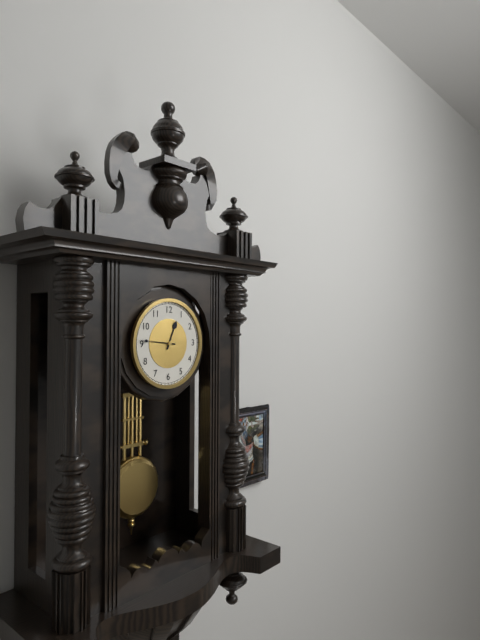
12 h 46 min
